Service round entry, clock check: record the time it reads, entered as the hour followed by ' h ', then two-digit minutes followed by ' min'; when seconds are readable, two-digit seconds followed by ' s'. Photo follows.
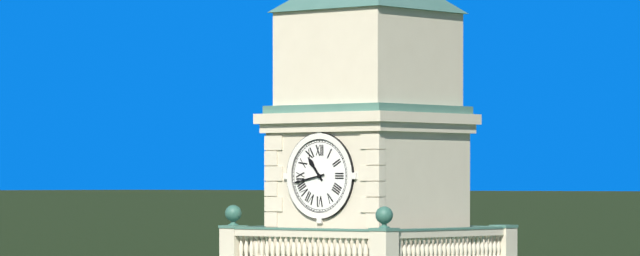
10 h 43 min
